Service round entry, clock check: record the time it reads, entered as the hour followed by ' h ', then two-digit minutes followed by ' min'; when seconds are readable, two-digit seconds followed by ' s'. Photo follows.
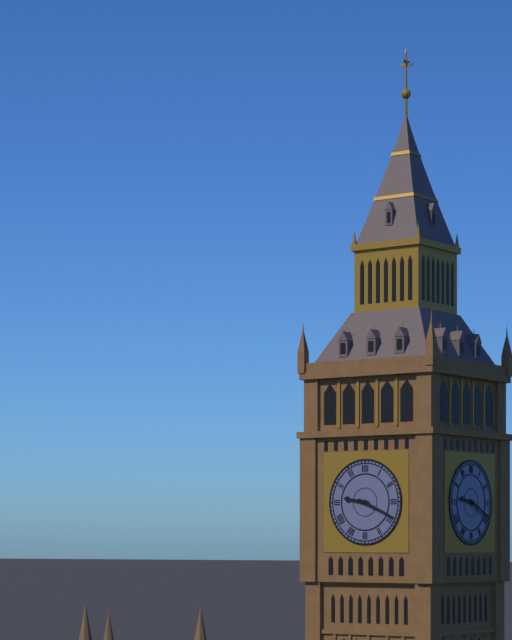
9 h 19 min
